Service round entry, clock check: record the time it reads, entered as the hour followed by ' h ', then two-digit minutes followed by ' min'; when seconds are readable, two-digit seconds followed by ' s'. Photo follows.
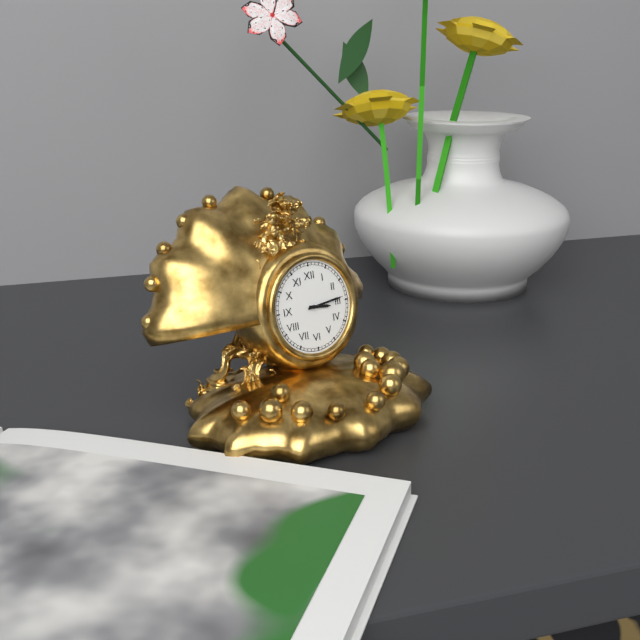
3 h 14 min
